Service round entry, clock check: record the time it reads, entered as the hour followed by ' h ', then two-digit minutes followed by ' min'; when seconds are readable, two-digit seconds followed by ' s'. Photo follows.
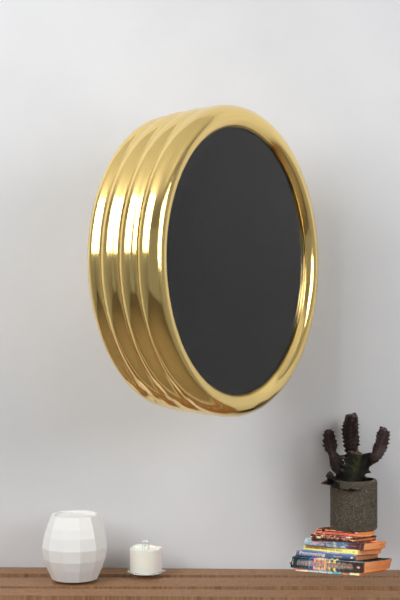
5 h 18 min 32 s
